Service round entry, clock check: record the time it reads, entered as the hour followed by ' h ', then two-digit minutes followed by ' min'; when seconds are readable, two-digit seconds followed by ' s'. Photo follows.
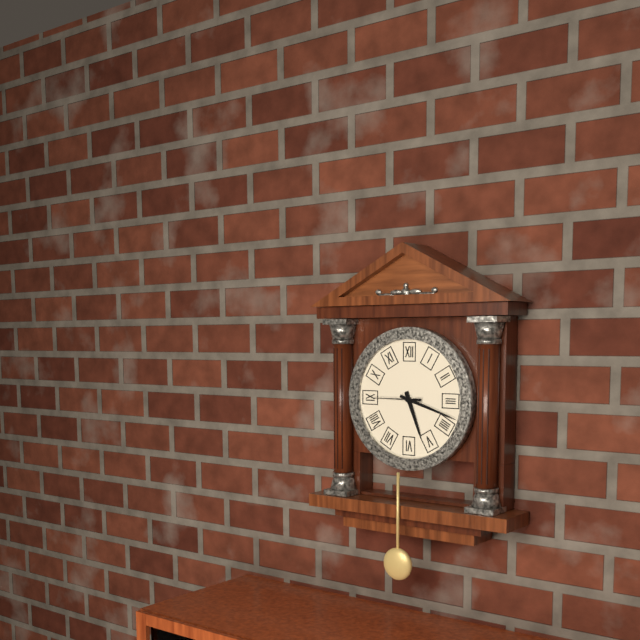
5 h 18 min
